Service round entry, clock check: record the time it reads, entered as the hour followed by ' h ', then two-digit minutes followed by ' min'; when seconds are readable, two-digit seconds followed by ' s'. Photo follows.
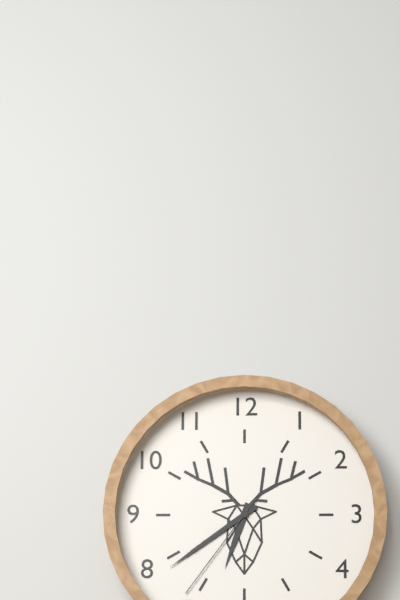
6 h 39 min 36 s
